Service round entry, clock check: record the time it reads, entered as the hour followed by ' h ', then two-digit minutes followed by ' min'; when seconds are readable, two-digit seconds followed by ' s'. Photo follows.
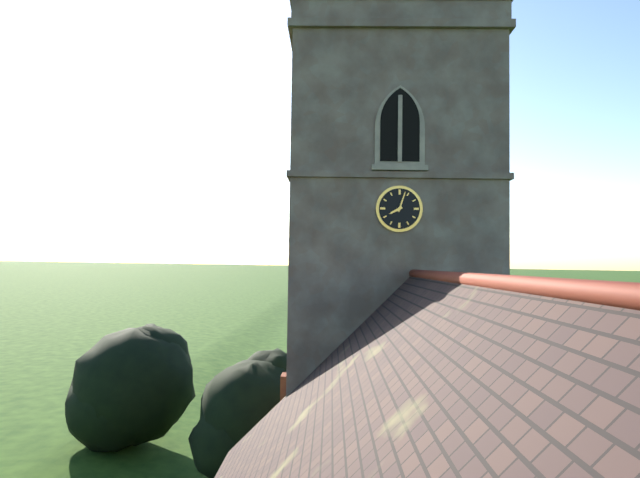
8 h 03 min
